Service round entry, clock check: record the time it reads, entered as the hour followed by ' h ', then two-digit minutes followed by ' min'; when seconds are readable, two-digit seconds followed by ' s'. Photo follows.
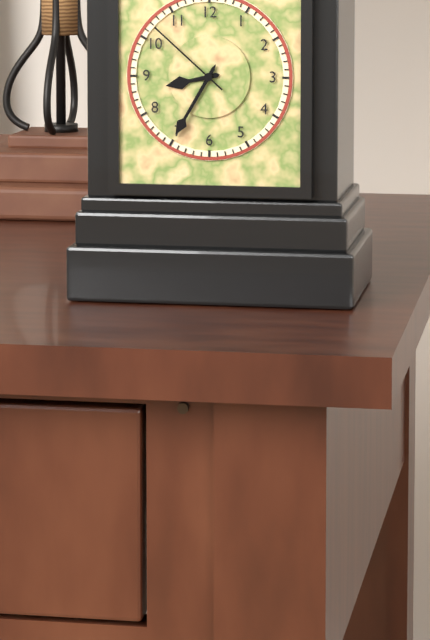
8 h 35 min 52 s
